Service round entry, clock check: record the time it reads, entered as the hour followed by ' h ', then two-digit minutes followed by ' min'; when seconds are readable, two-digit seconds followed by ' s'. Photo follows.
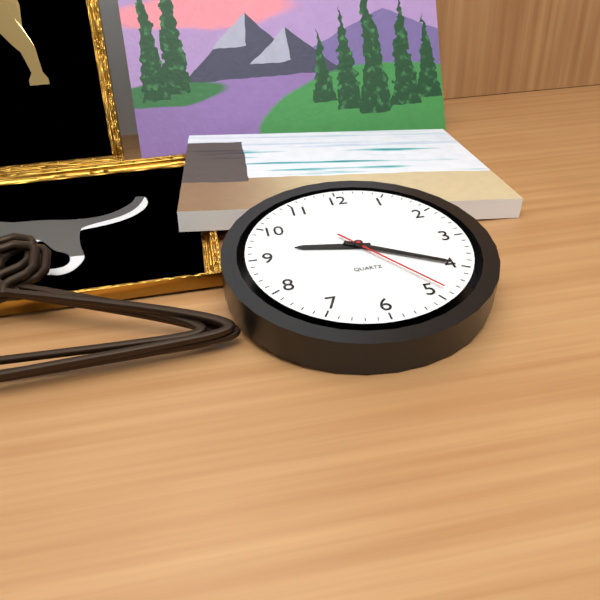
9 h 20 min 24 s
